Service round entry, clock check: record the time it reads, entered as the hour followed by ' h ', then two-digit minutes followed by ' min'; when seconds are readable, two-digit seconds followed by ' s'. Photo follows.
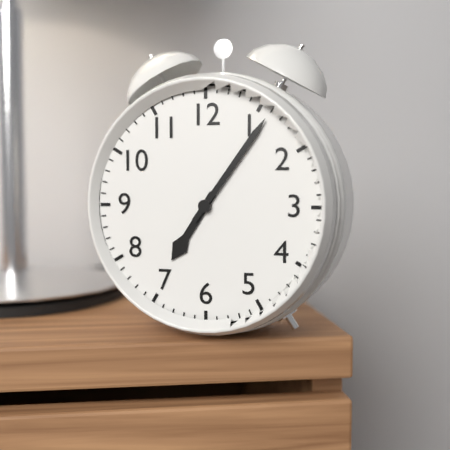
7 h 06 min
